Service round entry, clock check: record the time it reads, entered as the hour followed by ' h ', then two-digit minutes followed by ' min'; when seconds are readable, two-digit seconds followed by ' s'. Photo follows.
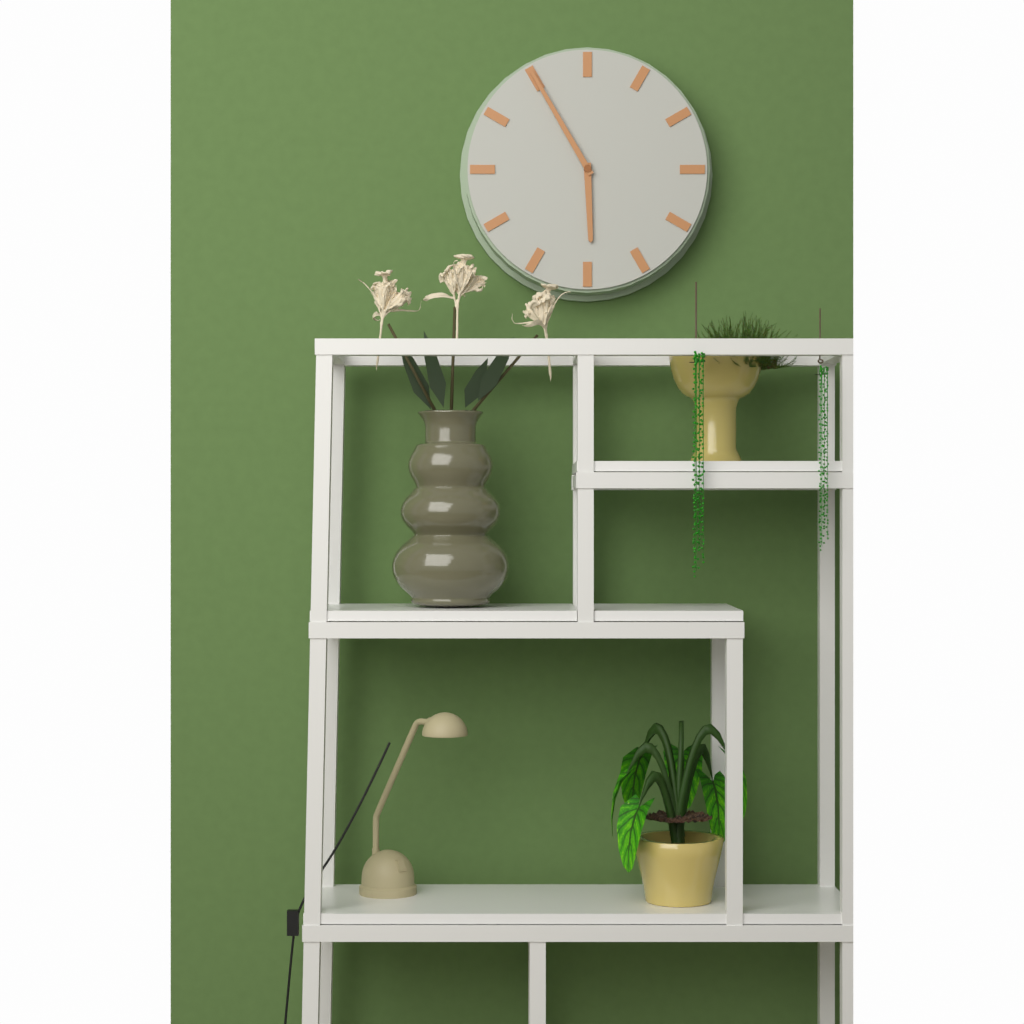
5 h 55 min
